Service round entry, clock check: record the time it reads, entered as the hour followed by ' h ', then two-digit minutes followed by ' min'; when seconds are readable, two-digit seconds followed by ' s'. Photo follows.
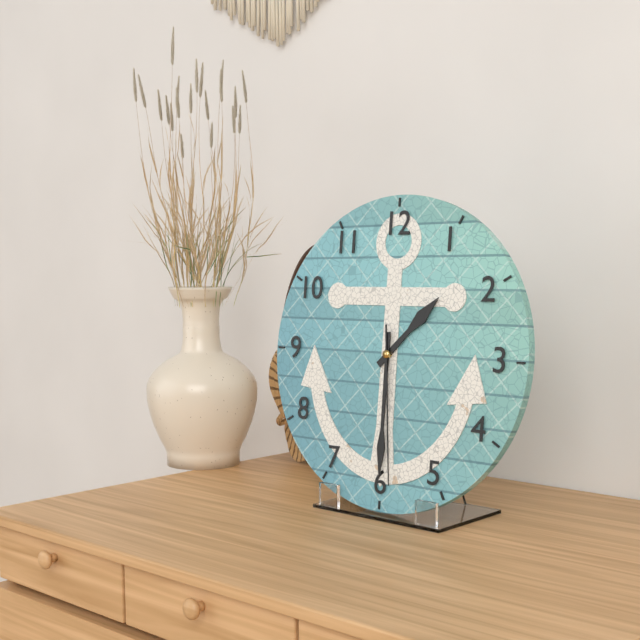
1 h 30 min 29 s
